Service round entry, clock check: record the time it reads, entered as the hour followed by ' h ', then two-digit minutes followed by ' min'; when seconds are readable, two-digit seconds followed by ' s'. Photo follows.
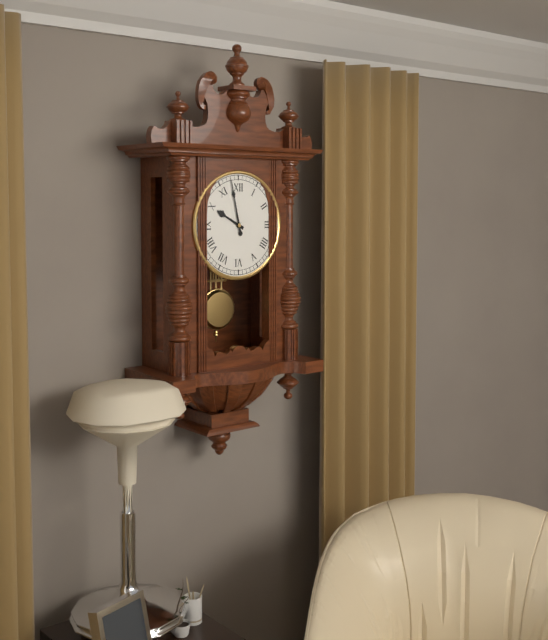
9 h 58 min
